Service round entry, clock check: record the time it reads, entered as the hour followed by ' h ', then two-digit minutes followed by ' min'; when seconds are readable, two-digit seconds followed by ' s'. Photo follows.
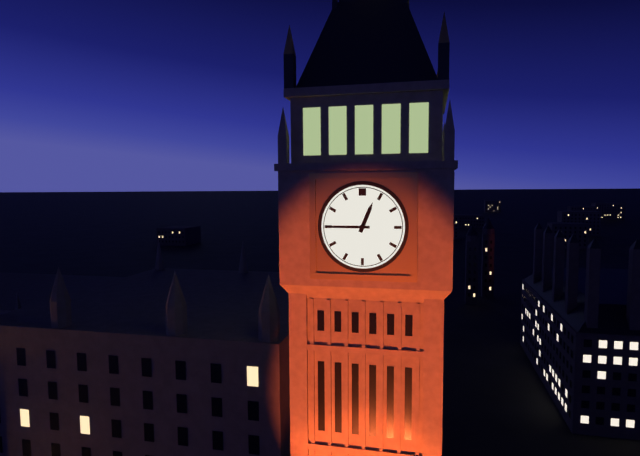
12 h 45 min
